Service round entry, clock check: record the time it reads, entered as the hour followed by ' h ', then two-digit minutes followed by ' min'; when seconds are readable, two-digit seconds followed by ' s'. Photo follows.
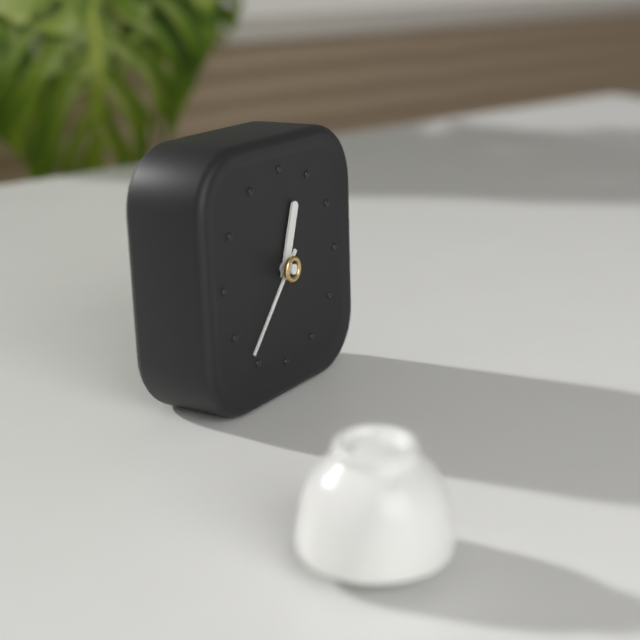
12 h 37 min
